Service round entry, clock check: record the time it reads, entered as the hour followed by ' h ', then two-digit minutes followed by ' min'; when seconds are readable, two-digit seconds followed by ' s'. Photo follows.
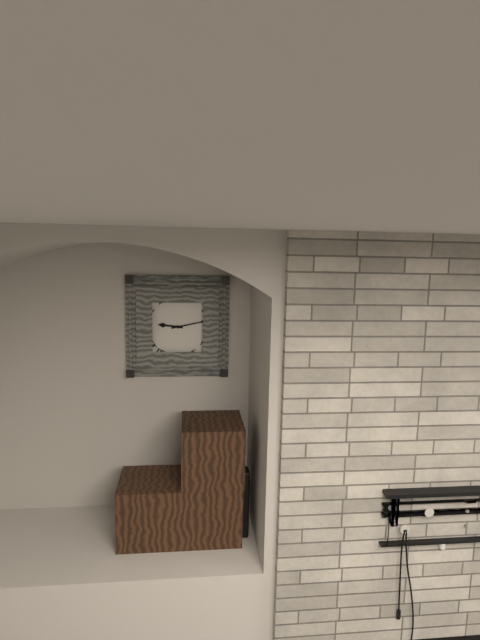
9 h 13 min
